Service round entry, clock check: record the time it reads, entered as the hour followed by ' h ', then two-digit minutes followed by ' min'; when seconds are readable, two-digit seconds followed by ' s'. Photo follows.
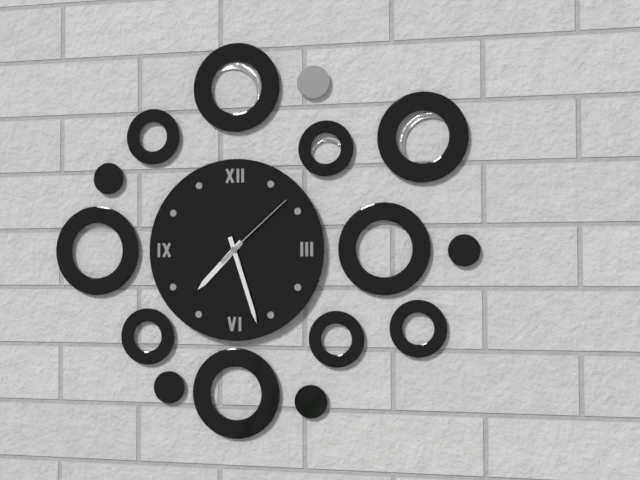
7 h 27 min 08 s
